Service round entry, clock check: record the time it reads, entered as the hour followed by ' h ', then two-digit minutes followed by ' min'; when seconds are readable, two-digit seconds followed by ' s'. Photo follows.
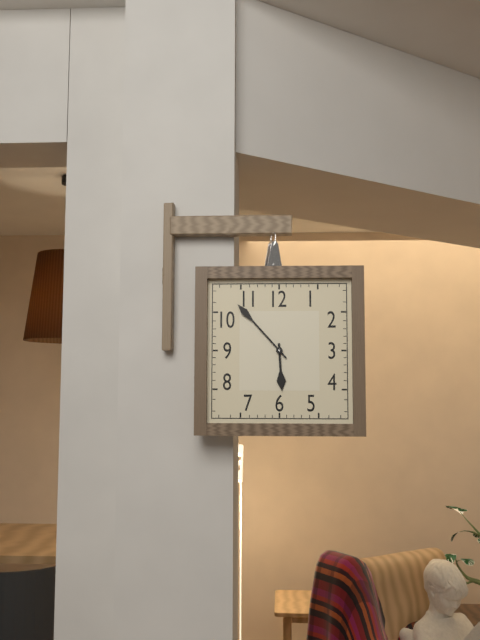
5 h 53 min
